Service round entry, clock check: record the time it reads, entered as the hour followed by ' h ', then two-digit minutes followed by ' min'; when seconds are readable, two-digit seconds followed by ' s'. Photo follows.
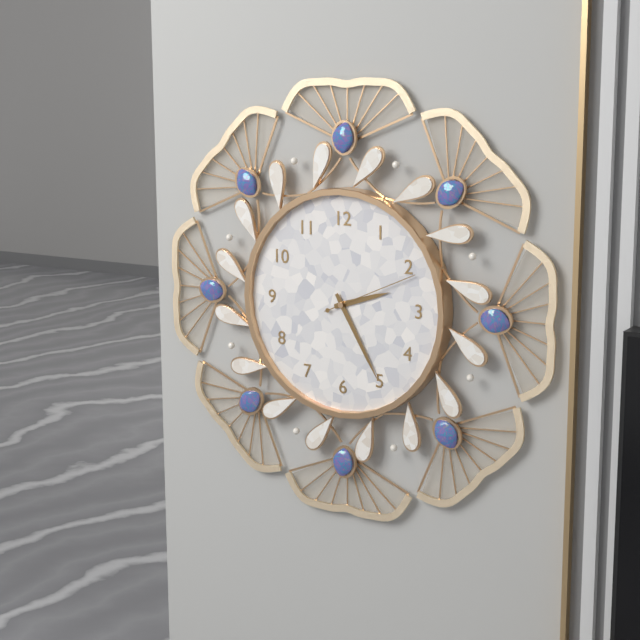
2 h 25 min 11 s
